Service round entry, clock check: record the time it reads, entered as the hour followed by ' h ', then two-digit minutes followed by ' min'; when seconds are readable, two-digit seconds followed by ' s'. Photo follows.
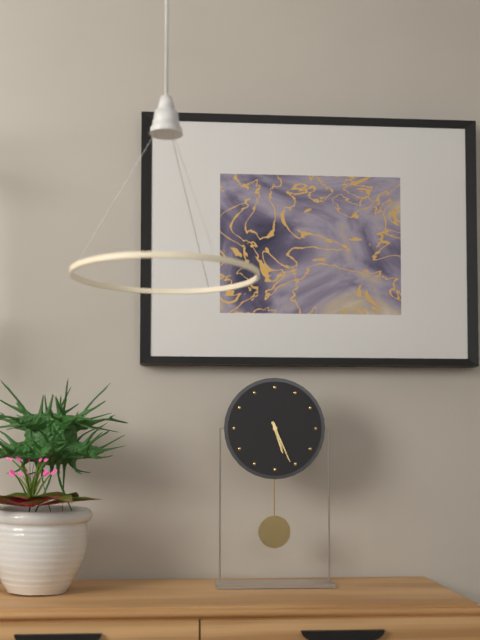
5 h 26 min
